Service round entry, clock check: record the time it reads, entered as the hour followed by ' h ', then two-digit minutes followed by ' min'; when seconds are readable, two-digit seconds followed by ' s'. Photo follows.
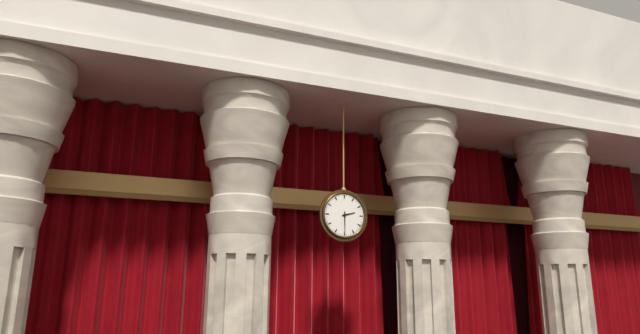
2 h 30 min
